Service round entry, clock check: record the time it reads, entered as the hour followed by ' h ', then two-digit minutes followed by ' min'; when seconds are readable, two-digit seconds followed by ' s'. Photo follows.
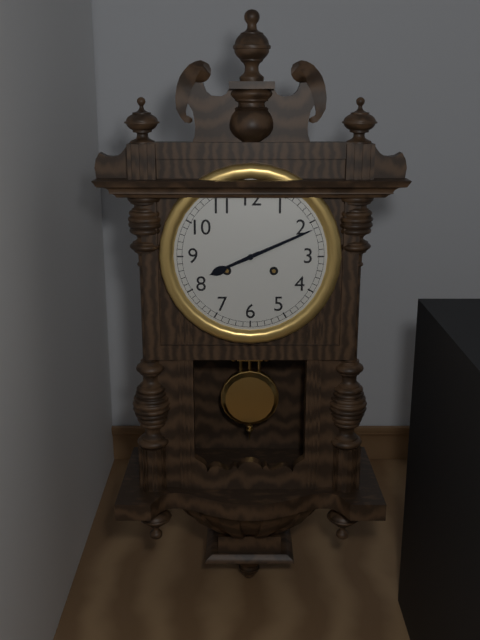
8 h 11 min
